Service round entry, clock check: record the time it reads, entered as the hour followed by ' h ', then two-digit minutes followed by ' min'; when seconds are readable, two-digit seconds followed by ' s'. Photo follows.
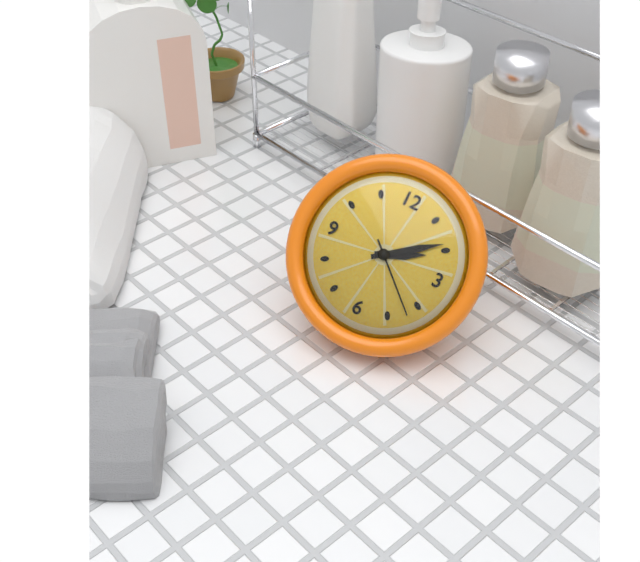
2 h 09 min 22 s
